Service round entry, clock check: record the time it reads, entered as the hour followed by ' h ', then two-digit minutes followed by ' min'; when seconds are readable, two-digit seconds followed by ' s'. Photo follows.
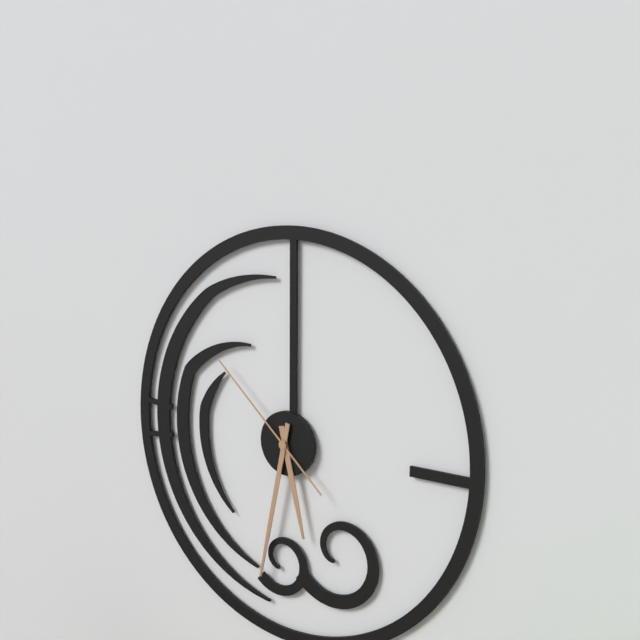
5 h 32 min 52 s
